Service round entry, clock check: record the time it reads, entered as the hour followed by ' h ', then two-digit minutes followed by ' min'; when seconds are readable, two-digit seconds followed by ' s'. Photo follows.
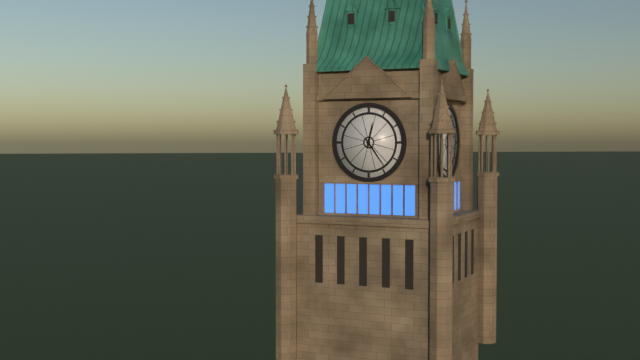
12 h 24 min
